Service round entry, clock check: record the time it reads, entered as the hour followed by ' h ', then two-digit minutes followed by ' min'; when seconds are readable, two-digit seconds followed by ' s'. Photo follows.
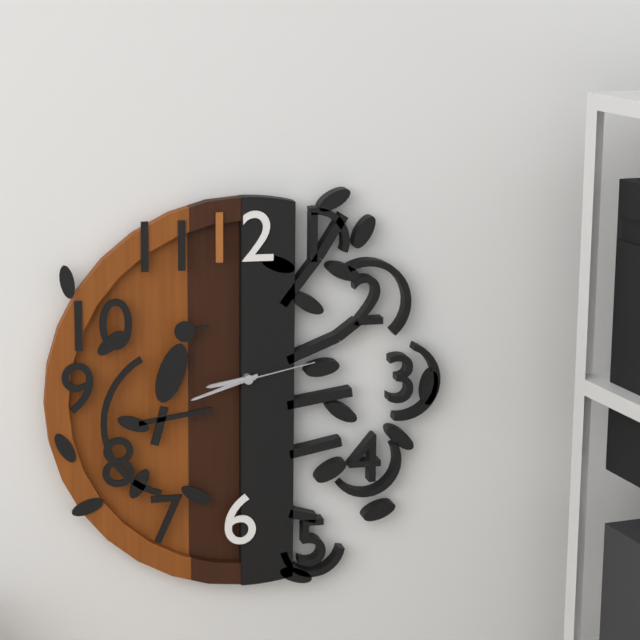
8 h 42 min 13 s
